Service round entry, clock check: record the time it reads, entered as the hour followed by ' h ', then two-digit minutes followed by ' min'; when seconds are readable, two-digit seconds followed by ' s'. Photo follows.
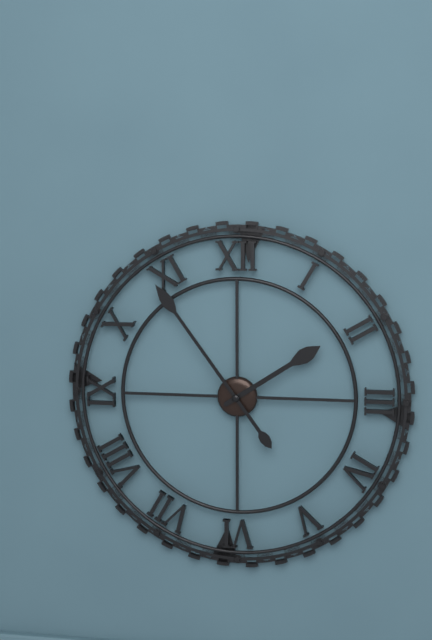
1 h 54 min
